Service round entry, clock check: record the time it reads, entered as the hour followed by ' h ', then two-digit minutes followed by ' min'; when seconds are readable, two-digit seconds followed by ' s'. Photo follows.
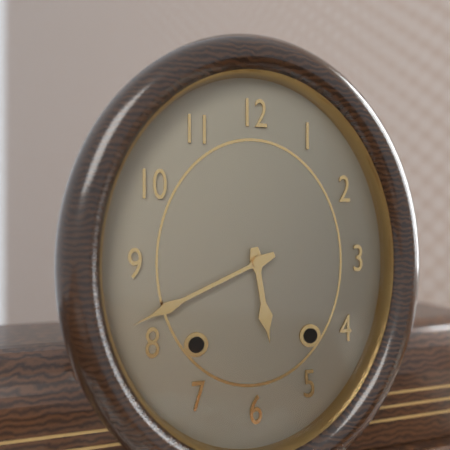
5 h 41 min
